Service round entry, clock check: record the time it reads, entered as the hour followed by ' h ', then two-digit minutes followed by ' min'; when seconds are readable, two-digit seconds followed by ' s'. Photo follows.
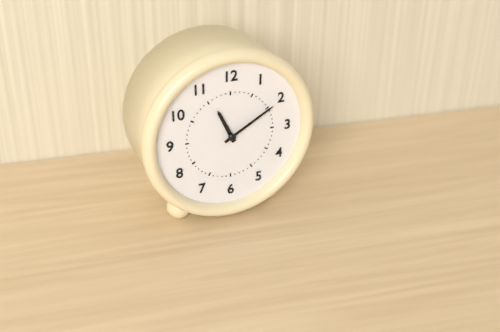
11 h 10 min
